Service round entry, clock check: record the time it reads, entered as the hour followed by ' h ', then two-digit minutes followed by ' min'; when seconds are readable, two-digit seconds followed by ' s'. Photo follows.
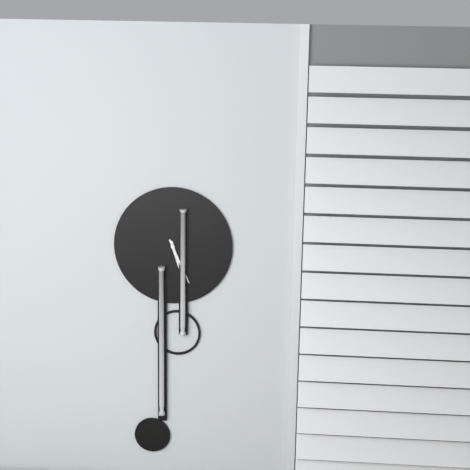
5 h 26 min
